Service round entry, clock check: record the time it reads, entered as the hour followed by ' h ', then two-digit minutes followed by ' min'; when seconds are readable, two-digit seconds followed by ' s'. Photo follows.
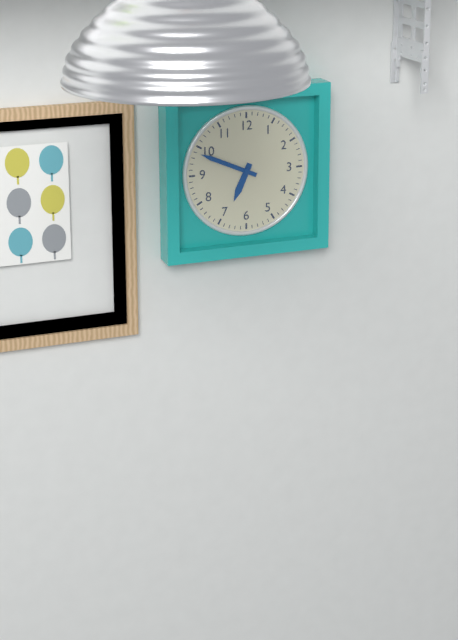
6 h 49 min
